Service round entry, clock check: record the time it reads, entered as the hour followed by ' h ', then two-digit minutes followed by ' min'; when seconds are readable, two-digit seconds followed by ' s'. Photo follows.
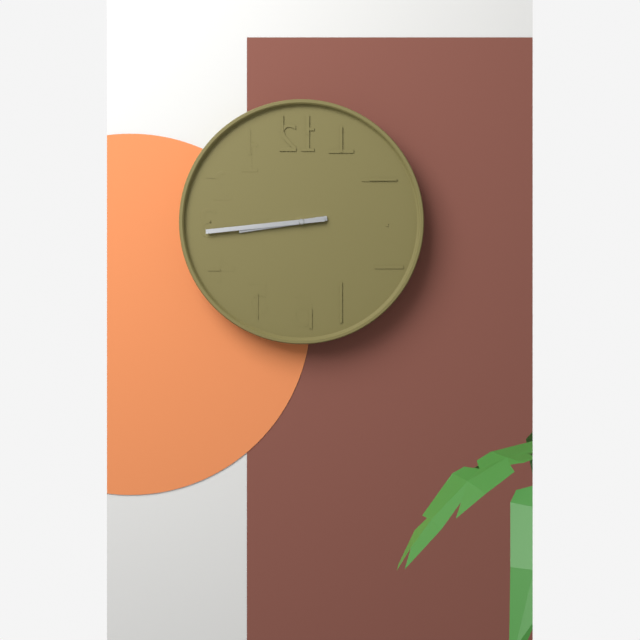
8 h 44 min
